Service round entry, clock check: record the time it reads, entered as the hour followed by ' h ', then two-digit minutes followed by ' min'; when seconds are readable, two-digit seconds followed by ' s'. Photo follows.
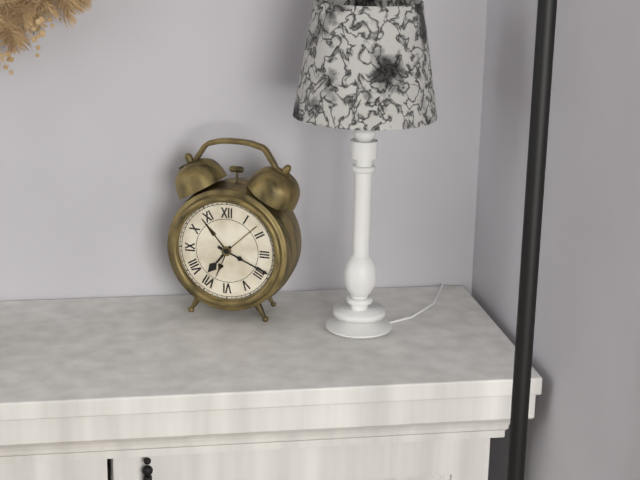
7 h 19 min
